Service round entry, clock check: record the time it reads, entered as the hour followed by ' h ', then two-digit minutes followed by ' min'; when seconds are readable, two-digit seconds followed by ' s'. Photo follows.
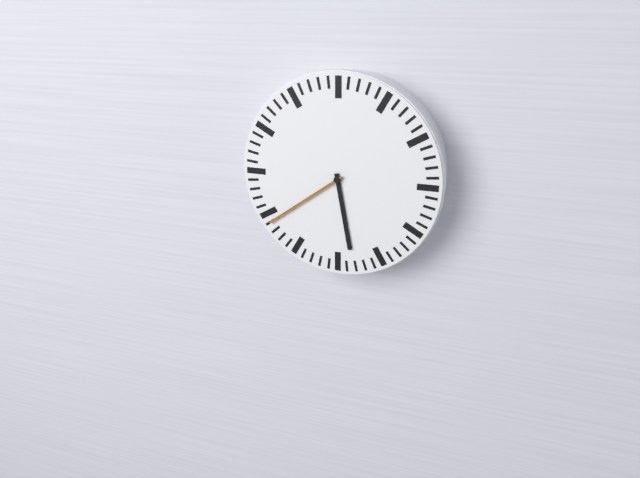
5 h 39 min
